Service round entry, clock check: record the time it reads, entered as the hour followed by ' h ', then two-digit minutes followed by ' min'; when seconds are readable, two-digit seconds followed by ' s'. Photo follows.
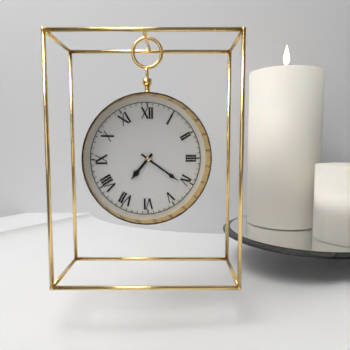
7 h 21 min
